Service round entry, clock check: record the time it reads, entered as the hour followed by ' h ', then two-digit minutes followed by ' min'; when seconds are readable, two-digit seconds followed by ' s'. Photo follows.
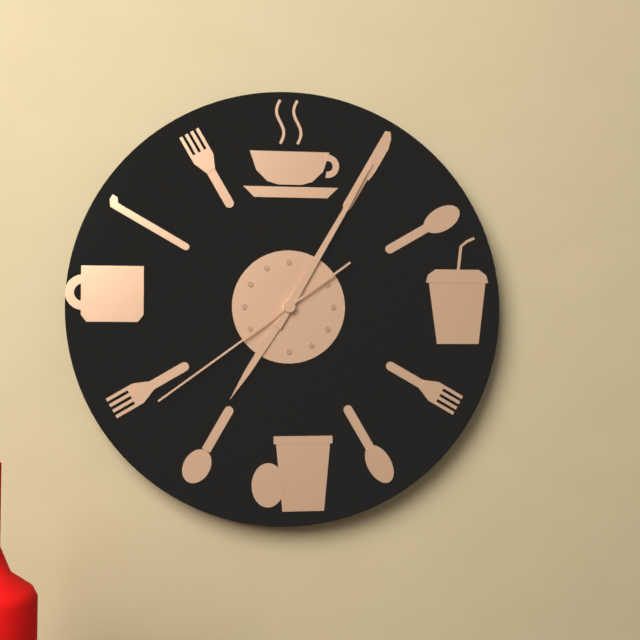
7 h 05 min 39 s
